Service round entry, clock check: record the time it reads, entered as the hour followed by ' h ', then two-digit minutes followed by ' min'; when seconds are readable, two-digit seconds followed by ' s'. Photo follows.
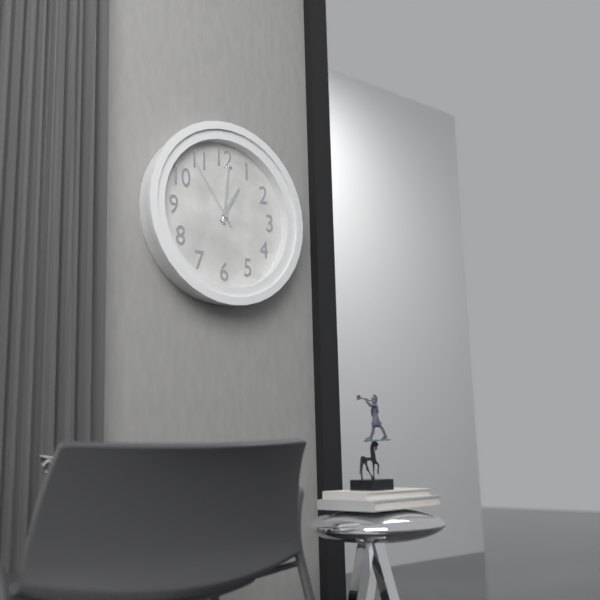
1 h 01 min 54 s
